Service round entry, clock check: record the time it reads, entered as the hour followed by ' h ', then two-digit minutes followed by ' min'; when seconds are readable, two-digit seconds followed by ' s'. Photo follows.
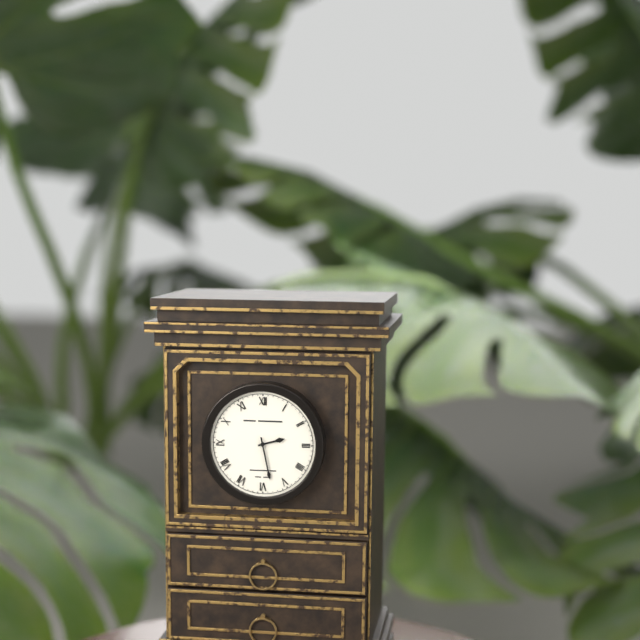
2 h 28 min
